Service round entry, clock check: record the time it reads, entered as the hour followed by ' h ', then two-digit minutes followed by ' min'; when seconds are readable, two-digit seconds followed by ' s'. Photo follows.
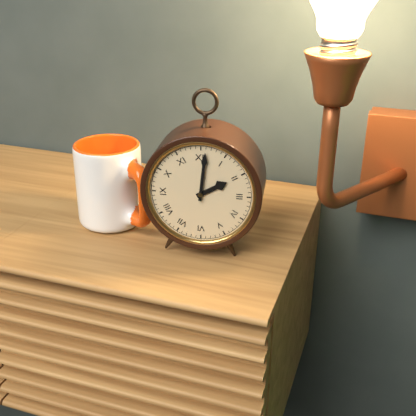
2 h 01 min
